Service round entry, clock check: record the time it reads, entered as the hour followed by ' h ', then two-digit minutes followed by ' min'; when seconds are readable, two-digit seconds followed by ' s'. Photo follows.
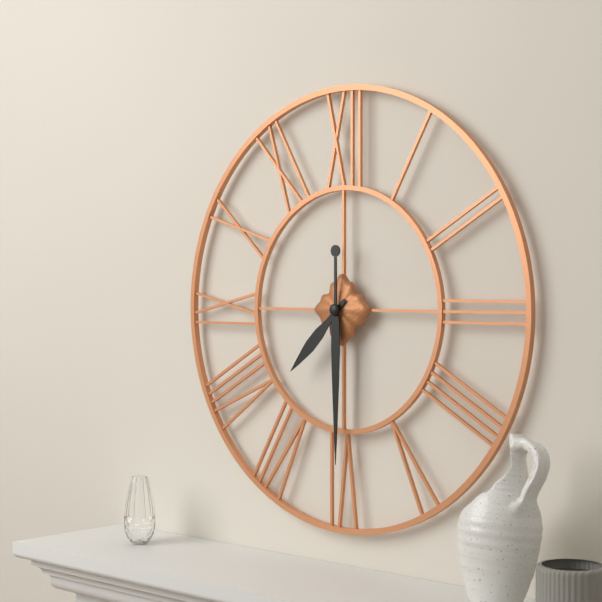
7 h 30 min
